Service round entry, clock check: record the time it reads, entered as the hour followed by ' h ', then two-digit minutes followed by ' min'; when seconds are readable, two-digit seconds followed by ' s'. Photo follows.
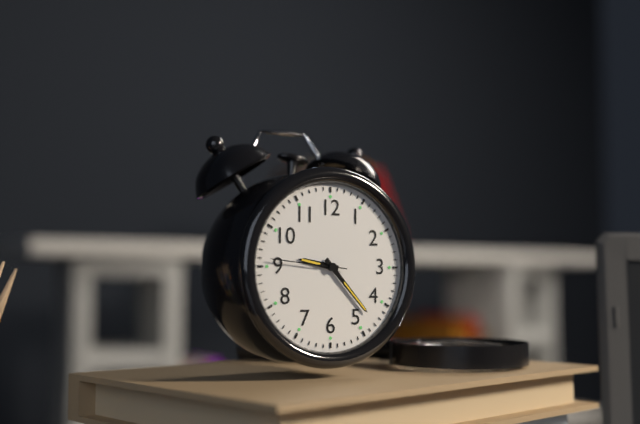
9 h 23 min 46 s
